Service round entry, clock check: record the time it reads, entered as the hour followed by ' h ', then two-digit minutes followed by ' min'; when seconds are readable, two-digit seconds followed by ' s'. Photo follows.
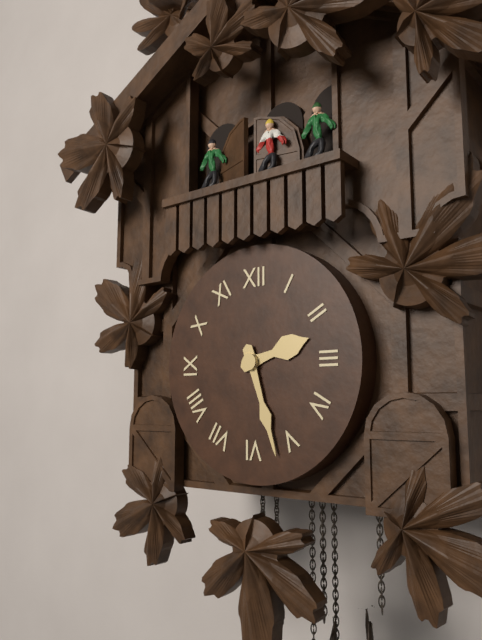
2 h 27 min
